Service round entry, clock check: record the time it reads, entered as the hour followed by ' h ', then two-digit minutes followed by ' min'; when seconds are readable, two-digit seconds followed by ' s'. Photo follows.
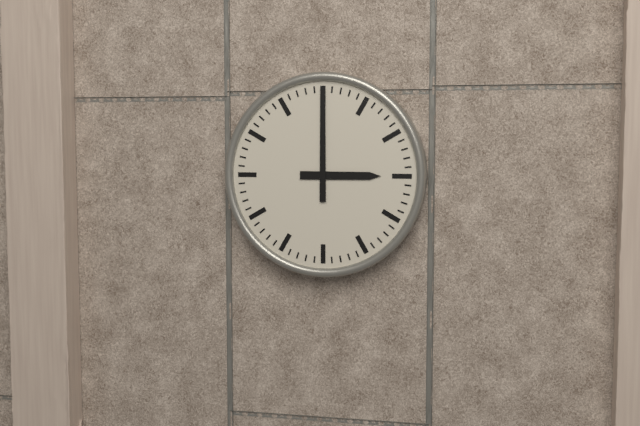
3 h 00 min
